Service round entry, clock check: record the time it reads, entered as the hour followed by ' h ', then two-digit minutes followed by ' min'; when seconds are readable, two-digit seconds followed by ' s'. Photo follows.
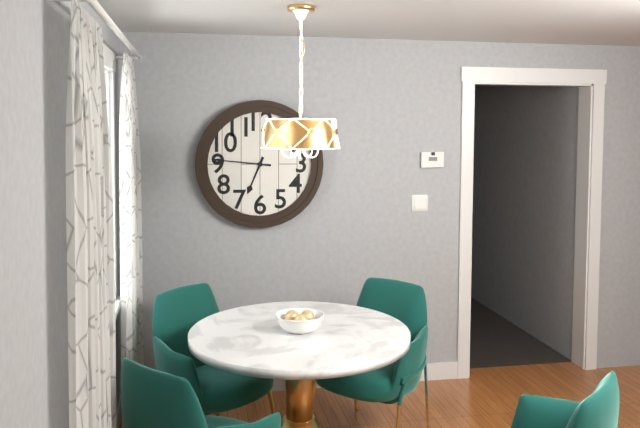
6 h 46 min
